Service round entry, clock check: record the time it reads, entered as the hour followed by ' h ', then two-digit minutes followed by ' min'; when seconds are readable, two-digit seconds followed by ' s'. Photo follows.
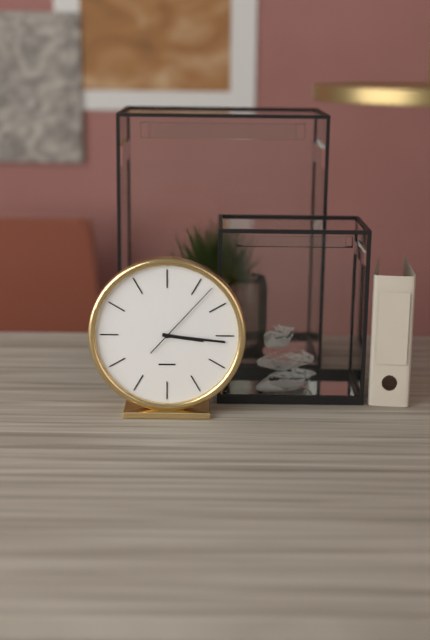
3 h 16 min 07 s
